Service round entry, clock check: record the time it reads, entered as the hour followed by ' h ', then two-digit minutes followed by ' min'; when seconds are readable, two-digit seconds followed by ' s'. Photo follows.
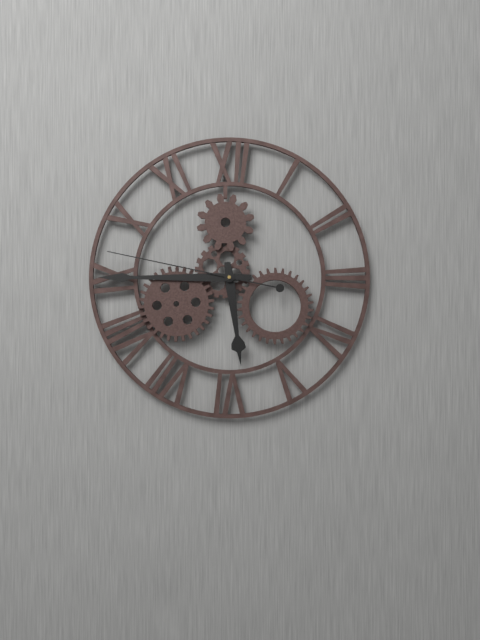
5 h 45 min 47 s
